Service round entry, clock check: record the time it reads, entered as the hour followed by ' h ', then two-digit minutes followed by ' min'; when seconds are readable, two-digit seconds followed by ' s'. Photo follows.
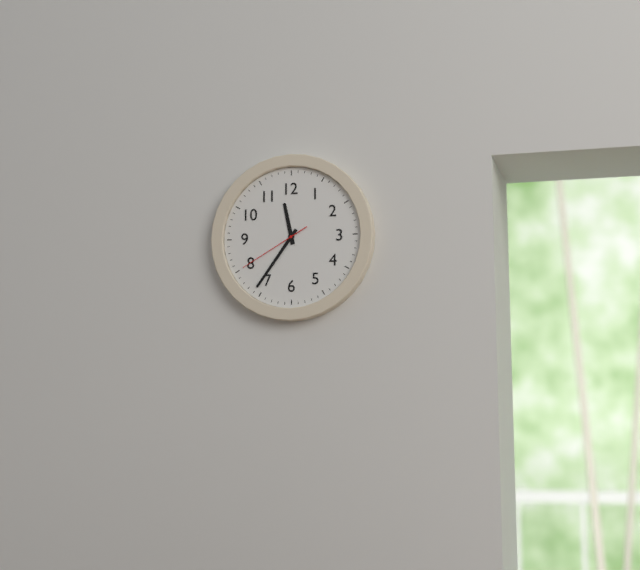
11 h 36 min 40 s
